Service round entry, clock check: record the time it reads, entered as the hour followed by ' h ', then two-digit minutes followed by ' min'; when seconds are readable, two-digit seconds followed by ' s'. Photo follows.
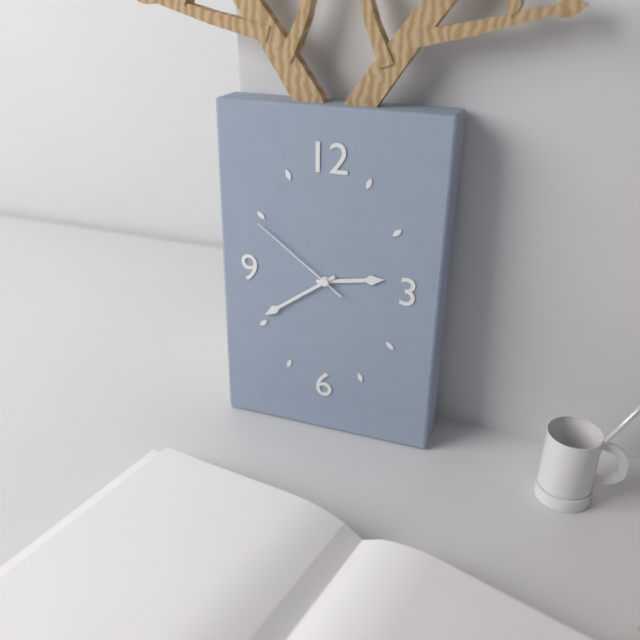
2 h 39 min 51 s
